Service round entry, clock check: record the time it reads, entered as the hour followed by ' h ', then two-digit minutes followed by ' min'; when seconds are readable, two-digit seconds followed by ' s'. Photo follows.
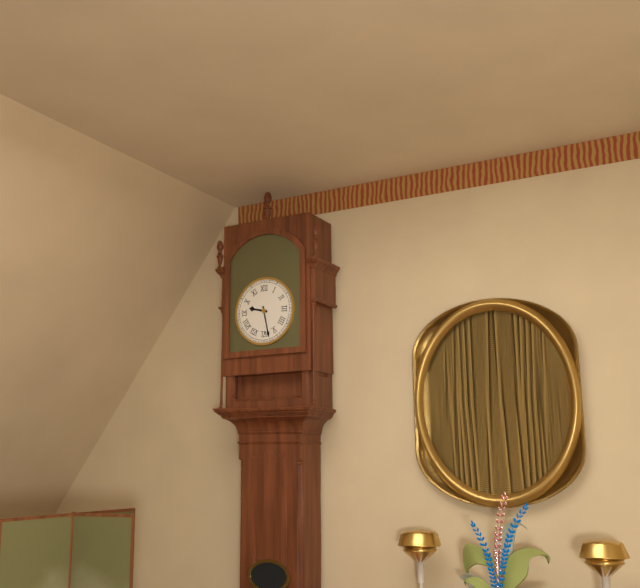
9 h 28 min
